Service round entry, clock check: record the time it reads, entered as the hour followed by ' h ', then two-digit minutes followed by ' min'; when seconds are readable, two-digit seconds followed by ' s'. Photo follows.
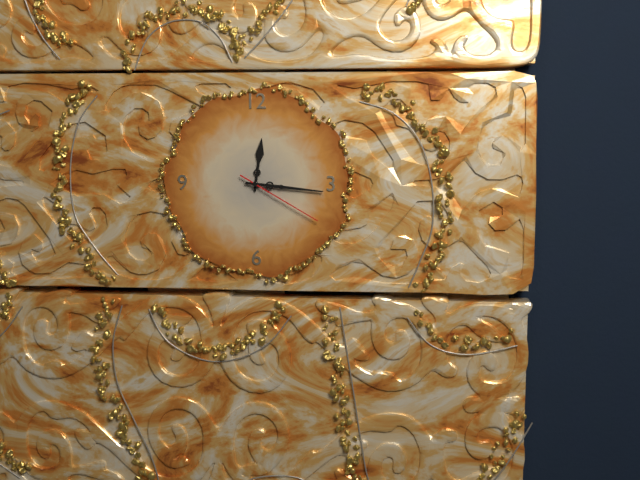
12 h 16 min 20 s
